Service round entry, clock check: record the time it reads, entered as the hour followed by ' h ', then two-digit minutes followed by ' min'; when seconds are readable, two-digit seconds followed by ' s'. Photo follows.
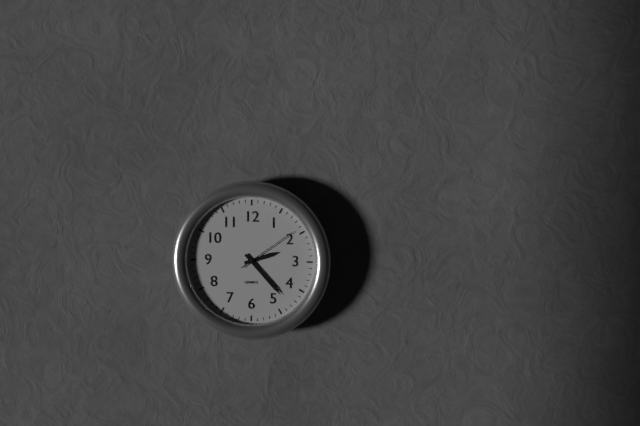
2 h 23 min 09 s
